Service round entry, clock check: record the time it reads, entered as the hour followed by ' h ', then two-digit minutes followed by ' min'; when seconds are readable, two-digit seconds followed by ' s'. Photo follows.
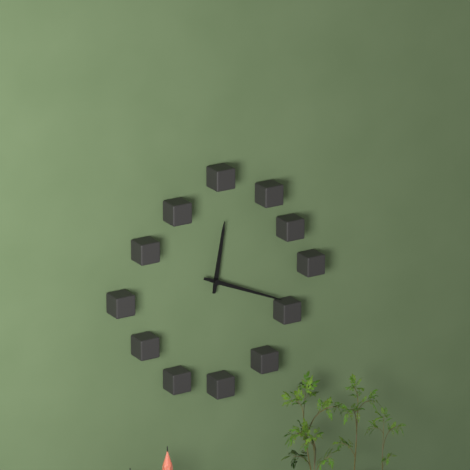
12 h 19 min
